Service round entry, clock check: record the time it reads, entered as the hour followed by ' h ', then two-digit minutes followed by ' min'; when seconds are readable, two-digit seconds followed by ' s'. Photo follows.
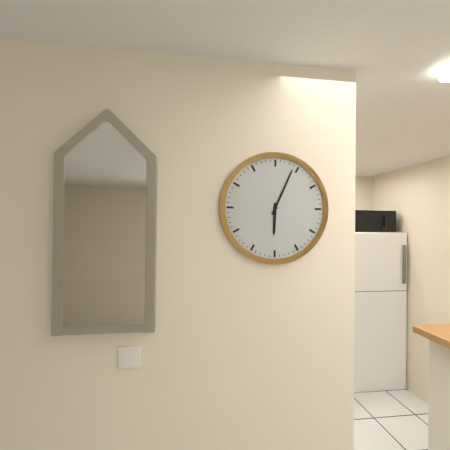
6 h 04 min
